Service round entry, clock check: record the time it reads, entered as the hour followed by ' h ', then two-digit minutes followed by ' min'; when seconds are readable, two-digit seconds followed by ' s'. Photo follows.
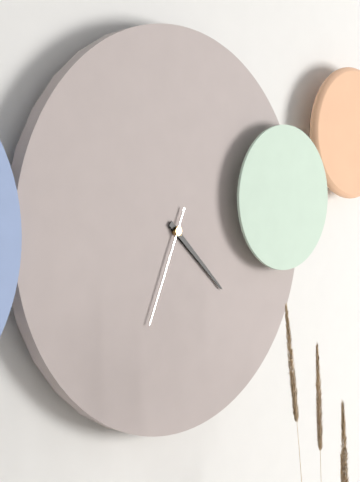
4 h 22 min 34 s
